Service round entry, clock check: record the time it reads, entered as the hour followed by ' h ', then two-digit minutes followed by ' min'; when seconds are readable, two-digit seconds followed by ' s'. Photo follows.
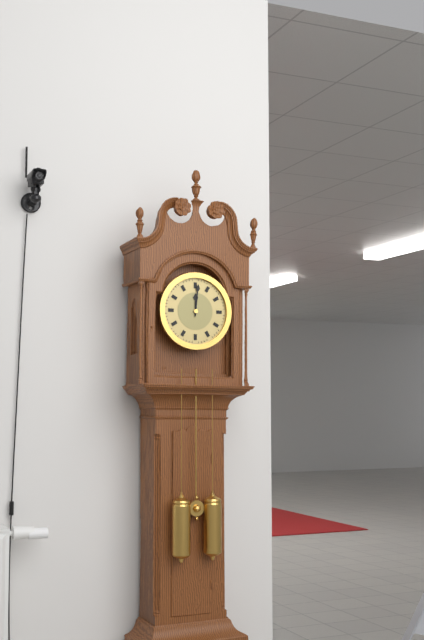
12 h 01 min
